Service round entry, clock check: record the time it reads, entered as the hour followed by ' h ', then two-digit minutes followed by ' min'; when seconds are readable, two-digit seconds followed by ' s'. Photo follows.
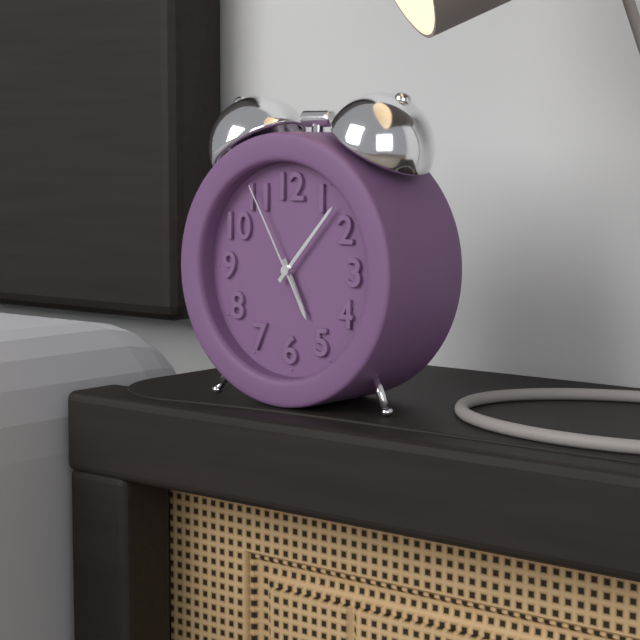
5 h 07 min 55 s
